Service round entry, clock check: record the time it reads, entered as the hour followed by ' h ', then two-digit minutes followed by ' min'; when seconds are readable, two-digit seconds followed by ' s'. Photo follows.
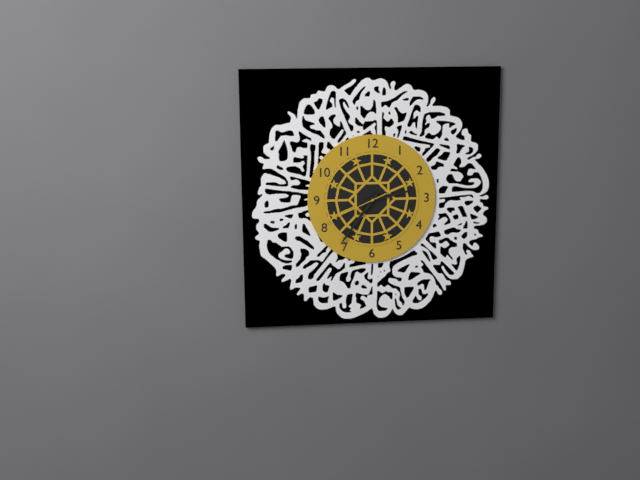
2 h 36 min 41 s
